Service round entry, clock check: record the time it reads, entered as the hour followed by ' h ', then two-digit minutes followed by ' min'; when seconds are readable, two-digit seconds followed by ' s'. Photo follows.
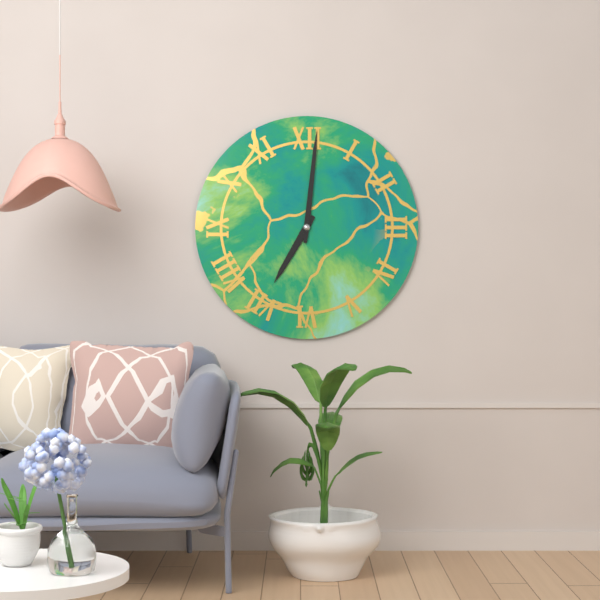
7 h 01 min
